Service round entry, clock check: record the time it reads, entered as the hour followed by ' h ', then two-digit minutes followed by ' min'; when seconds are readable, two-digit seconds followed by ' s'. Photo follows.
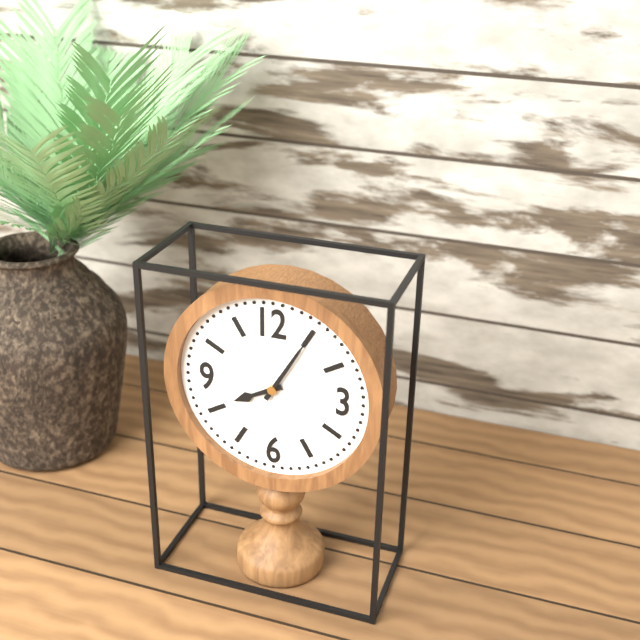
8 h 05 min
